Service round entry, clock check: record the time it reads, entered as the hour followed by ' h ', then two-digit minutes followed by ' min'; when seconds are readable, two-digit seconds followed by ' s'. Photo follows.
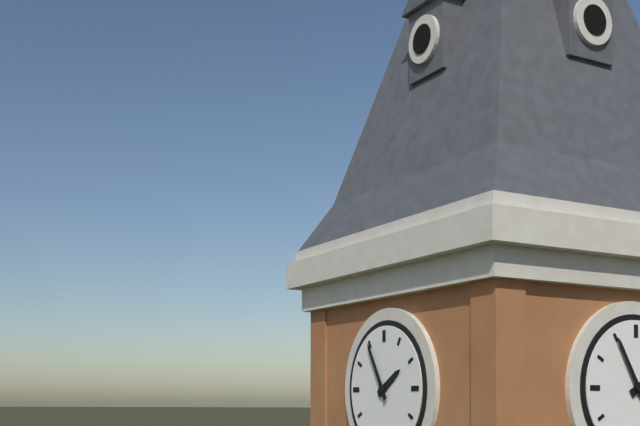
1 h 55 min
